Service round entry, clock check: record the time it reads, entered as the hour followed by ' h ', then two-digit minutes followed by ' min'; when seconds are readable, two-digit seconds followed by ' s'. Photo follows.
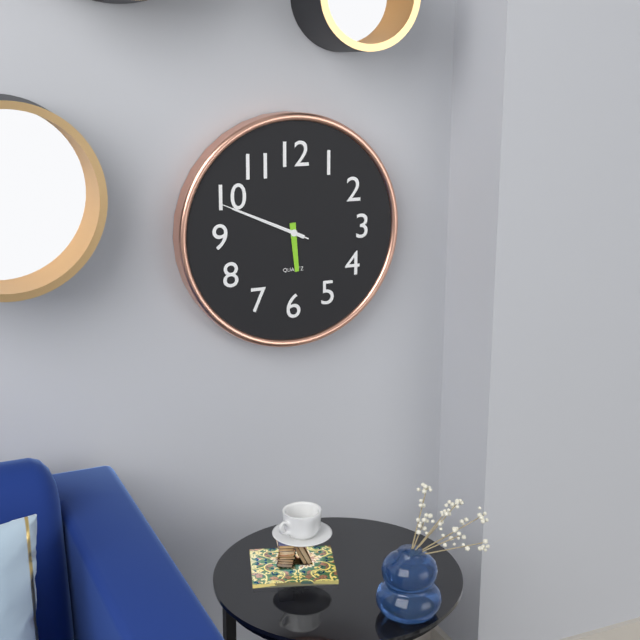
5 h 49 min 49 s
